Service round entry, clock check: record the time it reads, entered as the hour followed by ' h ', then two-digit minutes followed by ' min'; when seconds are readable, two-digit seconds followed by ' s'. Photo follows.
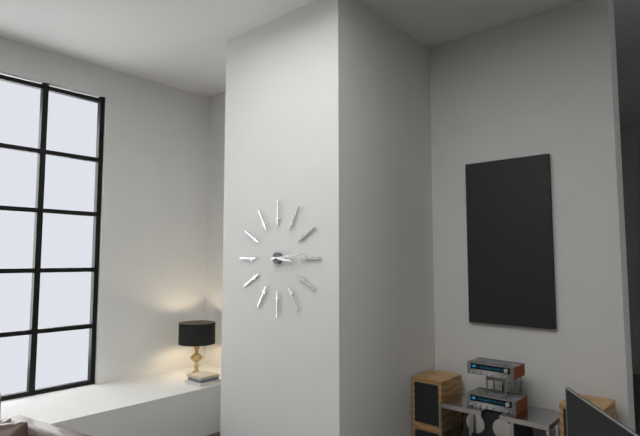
3 h 14 min
